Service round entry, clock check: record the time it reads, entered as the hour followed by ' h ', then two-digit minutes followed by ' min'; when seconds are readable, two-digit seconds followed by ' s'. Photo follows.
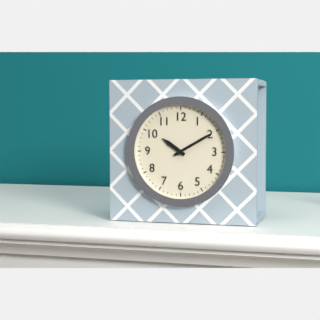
10 h 10 min
